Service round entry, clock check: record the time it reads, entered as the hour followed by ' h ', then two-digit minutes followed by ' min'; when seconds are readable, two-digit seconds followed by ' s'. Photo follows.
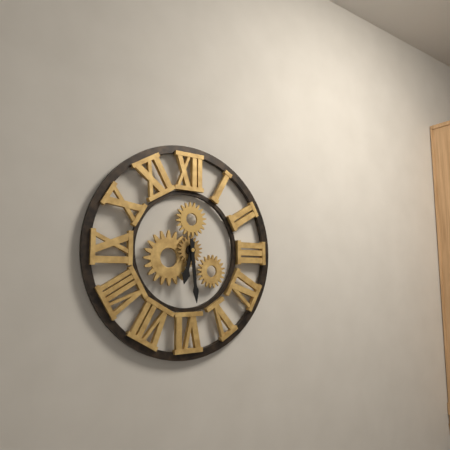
6 h 29 min
